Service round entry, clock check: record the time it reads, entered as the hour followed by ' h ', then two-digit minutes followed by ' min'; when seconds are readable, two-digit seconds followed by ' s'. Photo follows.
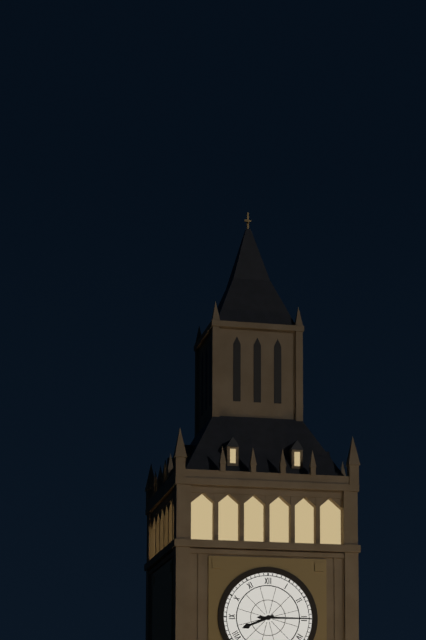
8 h 15 min
